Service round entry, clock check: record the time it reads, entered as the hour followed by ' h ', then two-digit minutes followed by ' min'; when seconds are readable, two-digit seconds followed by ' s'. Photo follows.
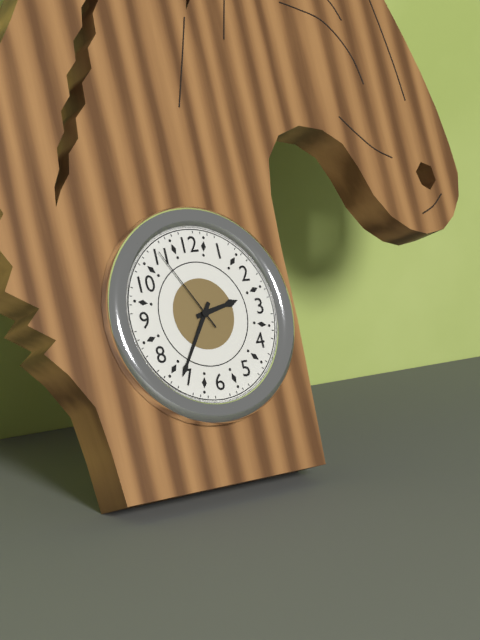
2 h 36 min 55 s
